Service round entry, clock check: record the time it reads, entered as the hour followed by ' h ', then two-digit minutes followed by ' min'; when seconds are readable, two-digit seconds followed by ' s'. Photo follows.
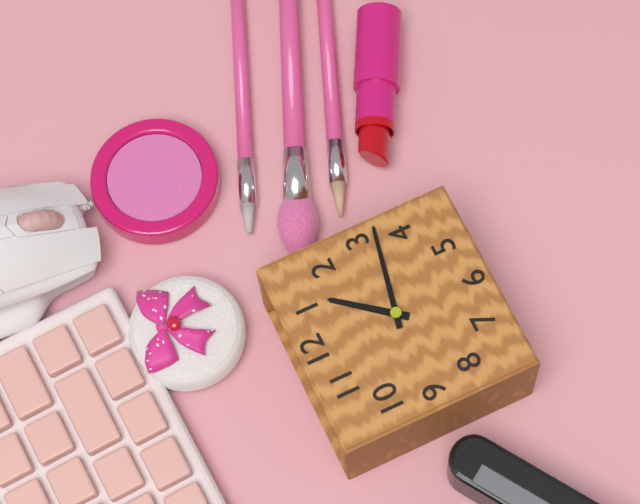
1 h 17 min
